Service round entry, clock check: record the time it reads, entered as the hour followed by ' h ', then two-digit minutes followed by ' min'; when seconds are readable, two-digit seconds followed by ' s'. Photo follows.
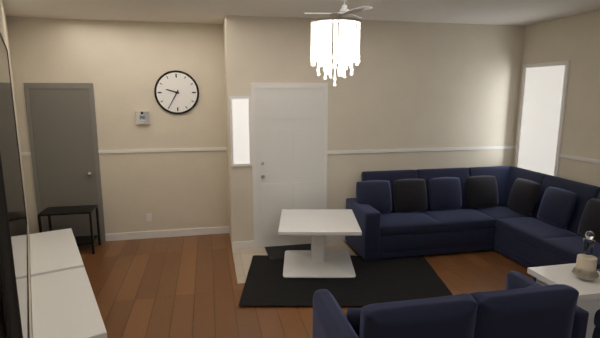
9 h 35 min
